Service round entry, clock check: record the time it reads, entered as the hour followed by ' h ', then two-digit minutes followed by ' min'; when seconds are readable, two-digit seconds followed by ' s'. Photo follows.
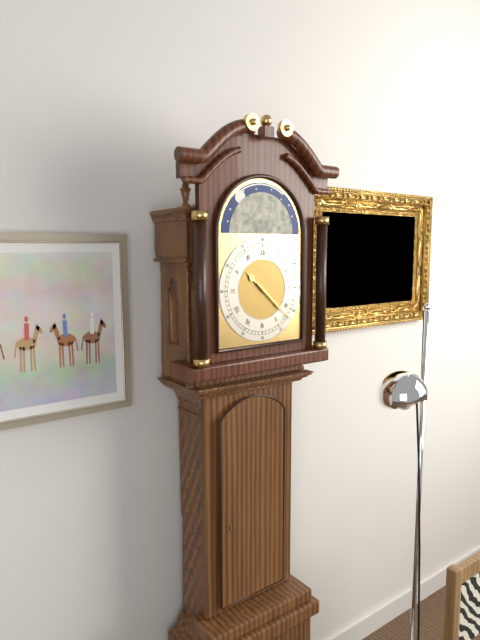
10 h 22 min
